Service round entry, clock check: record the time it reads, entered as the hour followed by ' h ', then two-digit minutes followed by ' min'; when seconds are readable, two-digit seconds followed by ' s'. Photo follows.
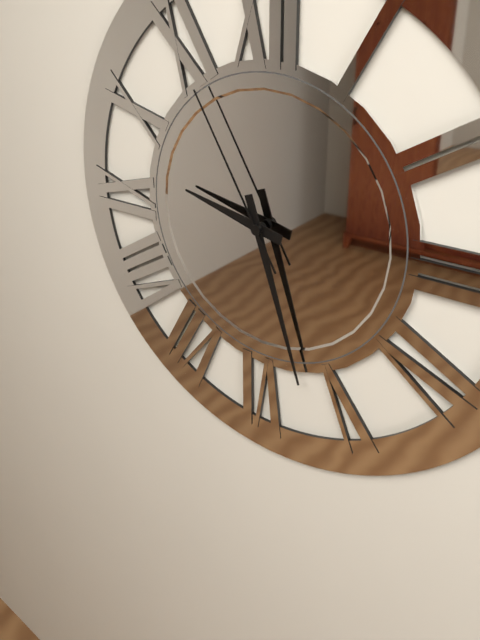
9 h 27 min 55 s
